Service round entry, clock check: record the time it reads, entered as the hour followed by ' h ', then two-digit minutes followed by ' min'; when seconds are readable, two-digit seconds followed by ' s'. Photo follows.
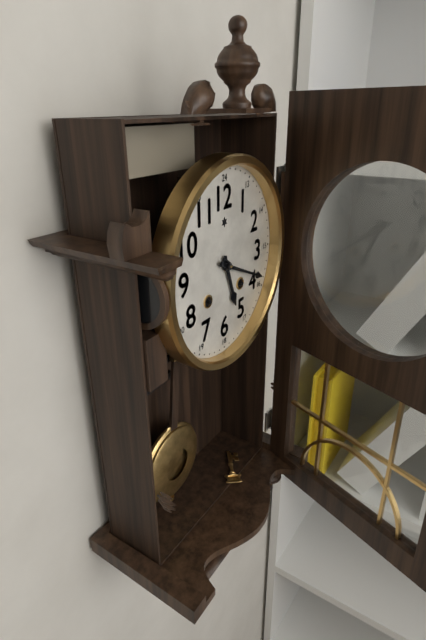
5 h 19 min
